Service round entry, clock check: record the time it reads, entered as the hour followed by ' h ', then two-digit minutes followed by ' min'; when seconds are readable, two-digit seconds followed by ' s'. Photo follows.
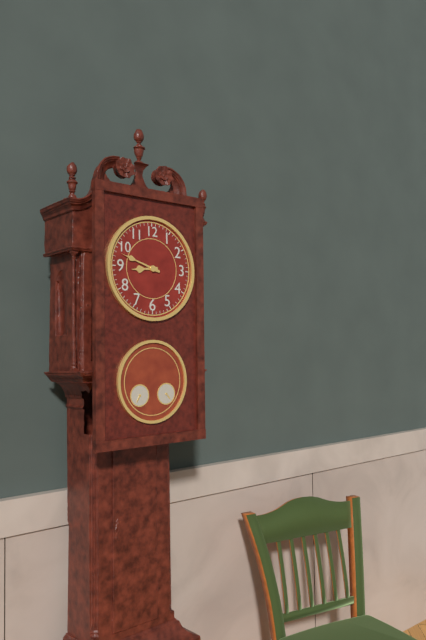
8 h 48 min
